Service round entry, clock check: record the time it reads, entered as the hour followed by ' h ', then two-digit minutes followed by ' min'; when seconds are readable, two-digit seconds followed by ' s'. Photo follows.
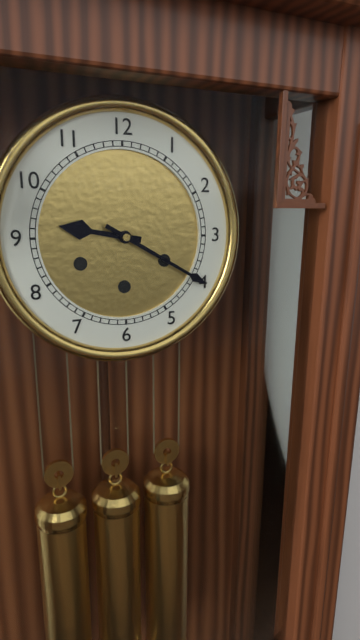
9 h 20 min
